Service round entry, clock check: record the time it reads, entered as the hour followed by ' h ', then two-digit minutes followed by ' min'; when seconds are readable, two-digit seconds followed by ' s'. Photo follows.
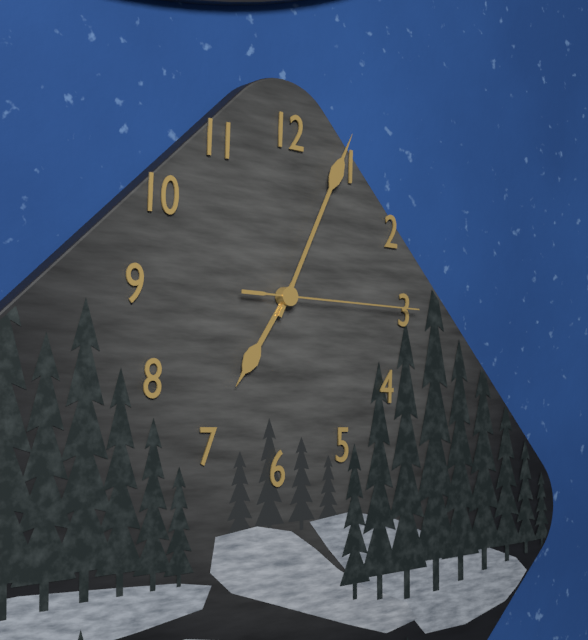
7 h 04 min 15 s
